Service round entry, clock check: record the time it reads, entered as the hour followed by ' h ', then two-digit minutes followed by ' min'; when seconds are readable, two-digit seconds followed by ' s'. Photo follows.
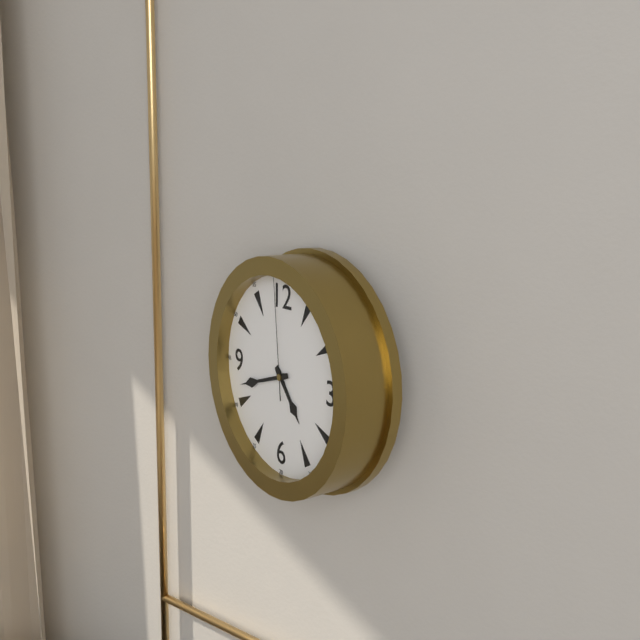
4 h 42 min 59 s
